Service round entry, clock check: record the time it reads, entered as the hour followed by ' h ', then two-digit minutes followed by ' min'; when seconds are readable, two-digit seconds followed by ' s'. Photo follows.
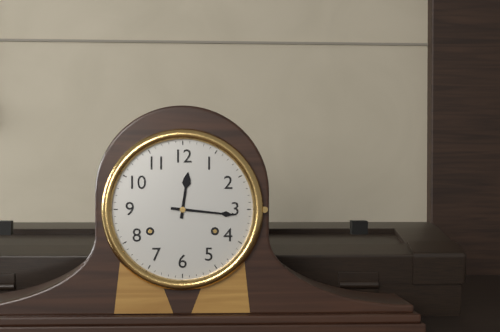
12 h 16 min
